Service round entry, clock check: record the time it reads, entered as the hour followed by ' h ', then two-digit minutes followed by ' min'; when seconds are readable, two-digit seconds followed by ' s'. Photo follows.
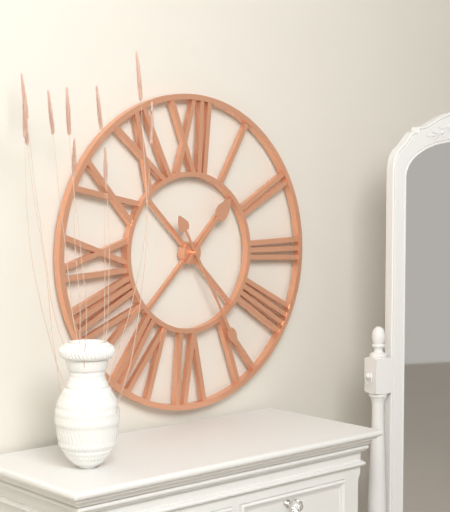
1 h 25 min
